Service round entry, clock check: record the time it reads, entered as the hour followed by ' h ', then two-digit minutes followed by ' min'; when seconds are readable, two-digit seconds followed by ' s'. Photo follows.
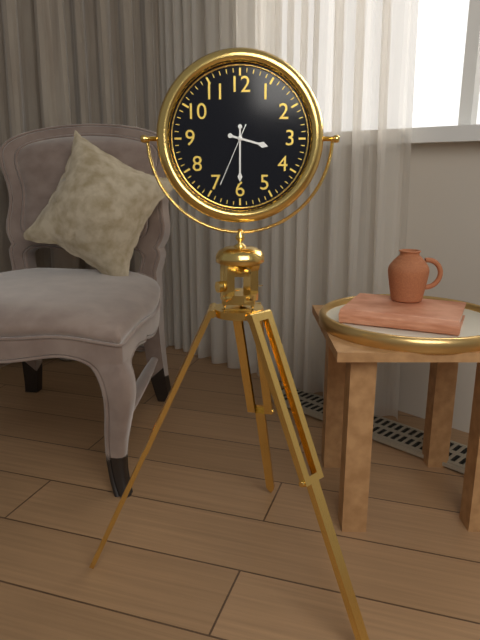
3 h 30 min 34 s
